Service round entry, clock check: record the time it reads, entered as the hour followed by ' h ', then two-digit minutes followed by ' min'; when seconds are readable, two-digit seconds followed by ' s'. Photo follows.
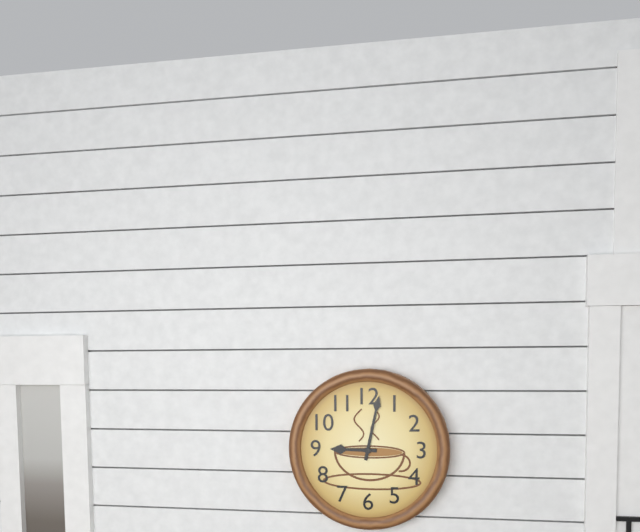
9 h 02 min
